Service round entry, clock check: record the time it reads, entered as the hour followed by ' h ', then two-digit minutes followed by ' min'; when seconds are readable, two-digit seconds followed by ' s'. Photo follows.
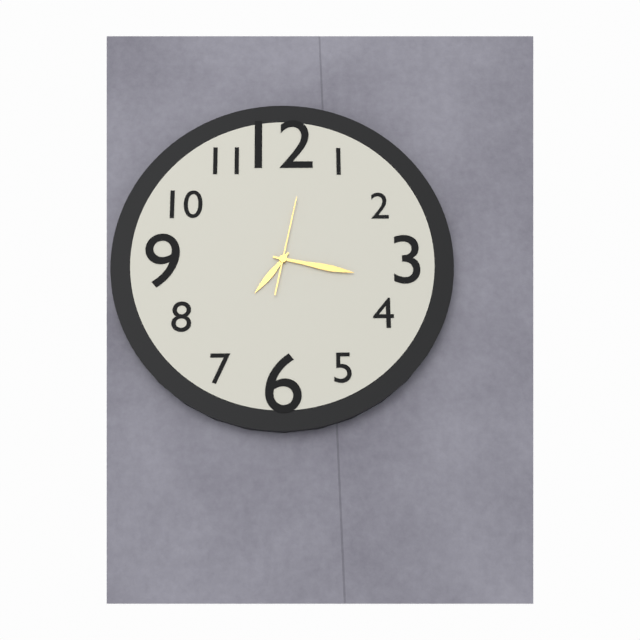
7 h 17 min 02 s
